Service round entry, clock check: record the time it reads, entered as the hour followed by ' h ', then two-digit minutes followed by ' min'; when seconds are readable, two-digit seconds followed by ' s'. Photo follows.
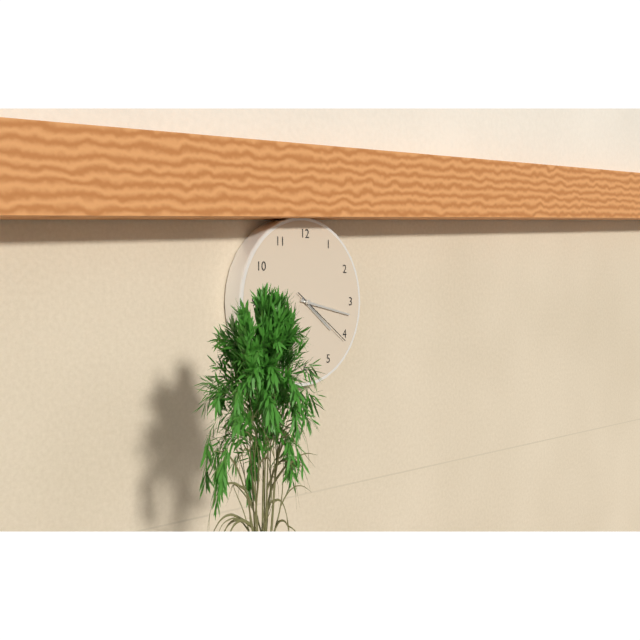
4 h 17 min 21 s
